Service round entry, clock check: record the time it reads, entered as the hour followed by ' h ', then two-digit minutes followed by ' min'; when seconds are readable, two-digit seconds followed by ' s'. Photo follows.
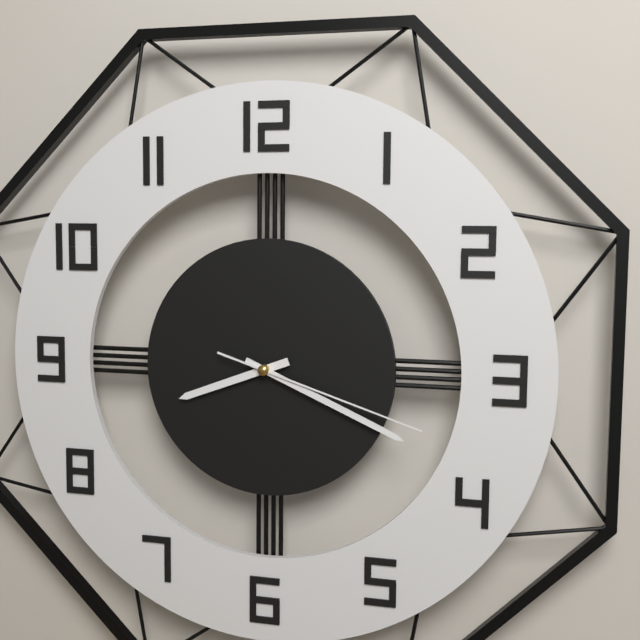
8 h 19 min 18 s
